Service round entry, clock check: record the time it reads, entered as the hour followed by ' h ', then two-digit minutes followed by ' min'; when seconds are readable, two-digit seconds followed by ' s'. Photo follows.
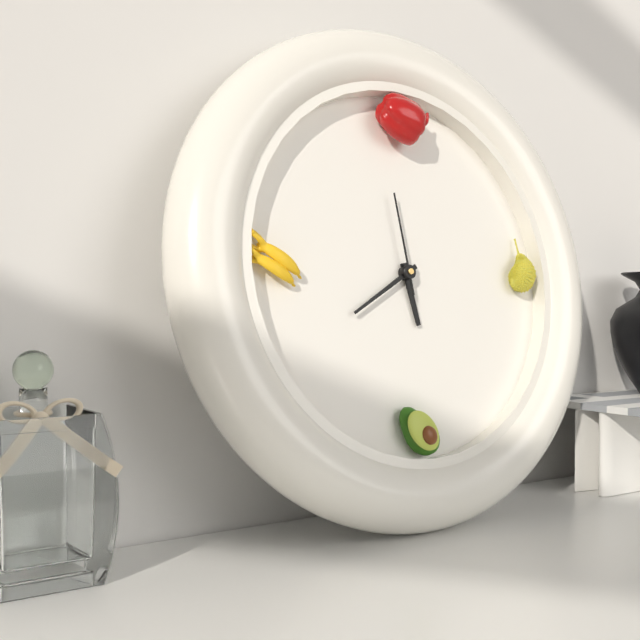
5 h 40 min 59 s
